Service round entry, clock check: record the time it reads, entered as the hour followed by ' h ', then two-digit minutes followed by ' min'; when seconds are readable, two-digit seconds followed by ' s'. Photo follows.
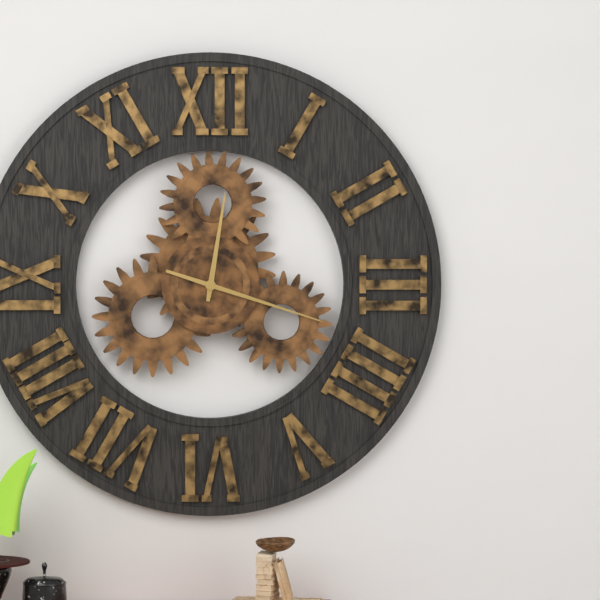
12 h 18 min
